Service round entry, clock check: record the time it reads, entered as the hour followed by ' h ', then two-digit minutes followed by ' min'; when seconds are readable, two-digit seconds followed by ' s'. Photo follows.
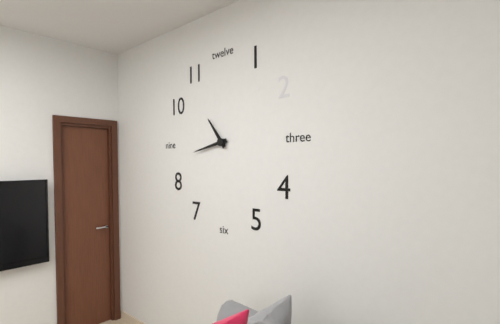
10 h 43 min
